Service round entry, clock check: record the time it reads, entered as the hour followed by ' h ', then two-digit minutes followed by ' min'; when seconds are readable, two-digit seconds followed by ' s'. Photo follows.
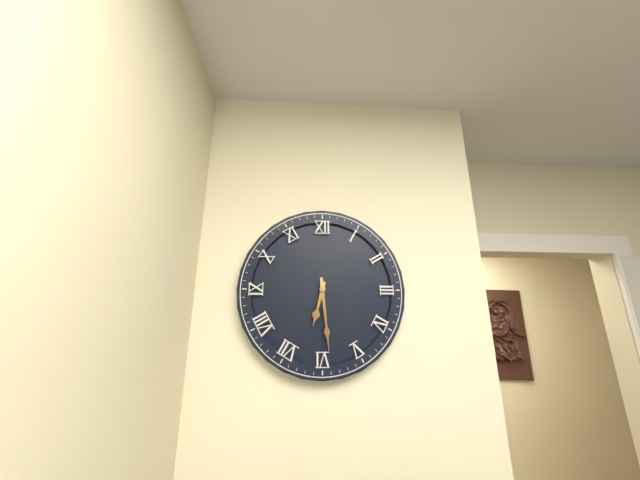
6 h 29 min
